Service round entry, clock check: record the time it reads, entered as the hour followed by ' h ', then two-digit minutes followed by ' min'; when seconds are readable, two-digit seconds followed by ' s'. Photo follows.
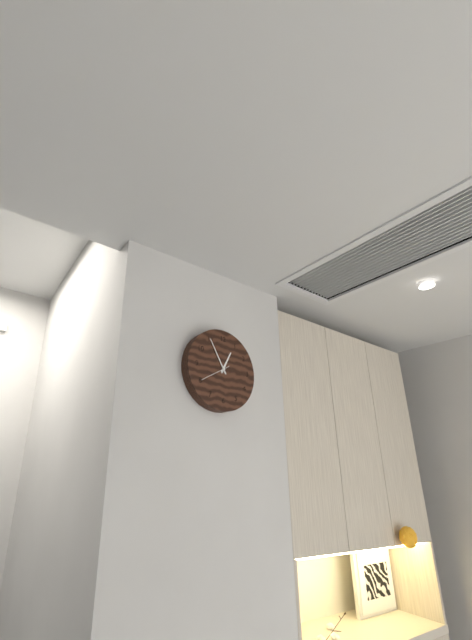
12 h 55 min
